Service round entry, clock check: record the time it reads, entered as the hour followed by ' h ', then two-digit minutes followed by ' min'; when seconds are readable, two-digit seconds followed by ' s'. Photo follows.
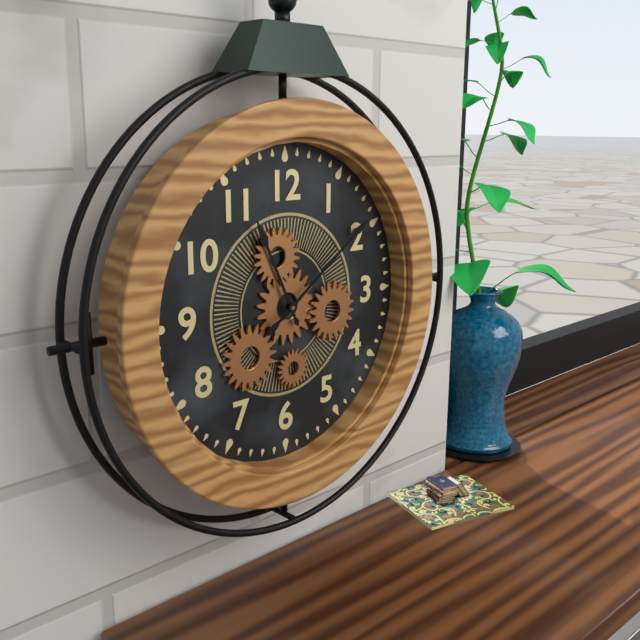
11 h 09 min
